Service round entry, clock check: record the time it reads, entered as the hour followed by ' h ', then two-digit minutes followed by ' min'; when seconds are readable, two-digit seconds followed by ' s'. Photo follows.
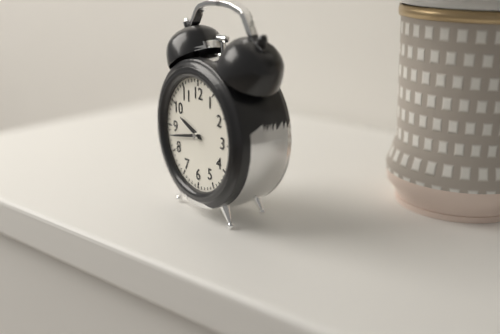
9 h 43 min
